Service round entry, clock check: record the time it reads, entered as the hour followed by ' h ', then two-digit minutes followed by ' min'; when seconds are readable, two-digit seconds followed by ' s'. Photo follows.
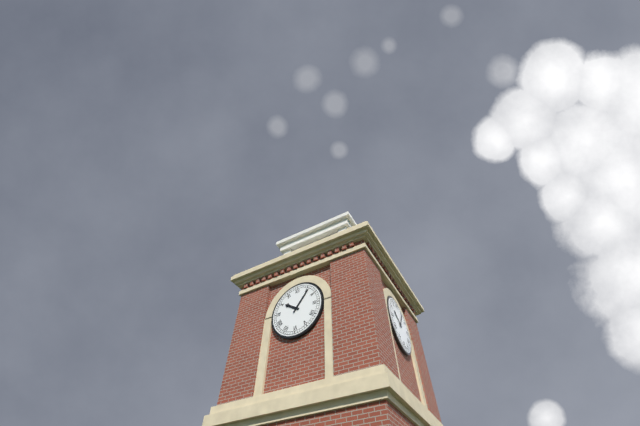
10 h 06 min
